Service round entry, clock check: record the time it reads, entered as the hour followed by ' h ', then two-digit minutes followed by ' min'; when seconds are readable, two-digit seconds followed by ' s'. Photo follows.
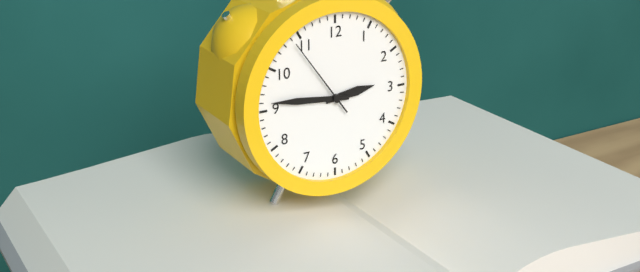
2 h 46 min 54 s
